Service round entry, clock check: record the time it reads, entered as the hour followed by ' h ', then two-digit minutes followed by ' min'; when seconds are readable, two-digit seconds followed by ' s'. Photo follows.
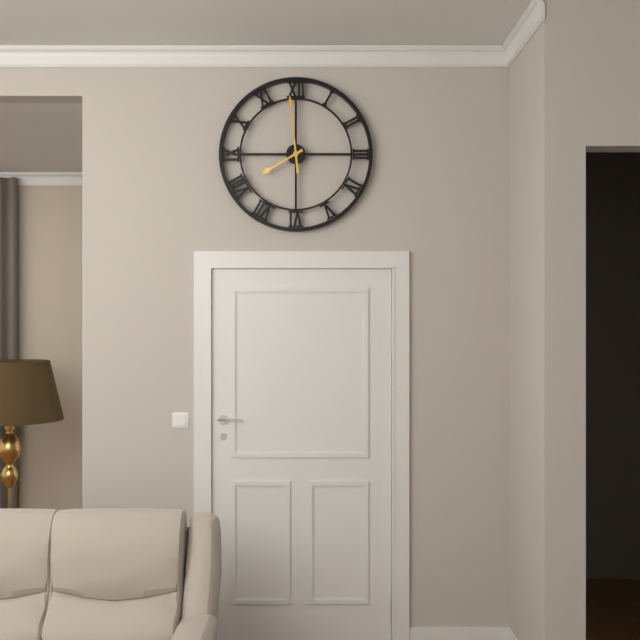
7 h 59 min
